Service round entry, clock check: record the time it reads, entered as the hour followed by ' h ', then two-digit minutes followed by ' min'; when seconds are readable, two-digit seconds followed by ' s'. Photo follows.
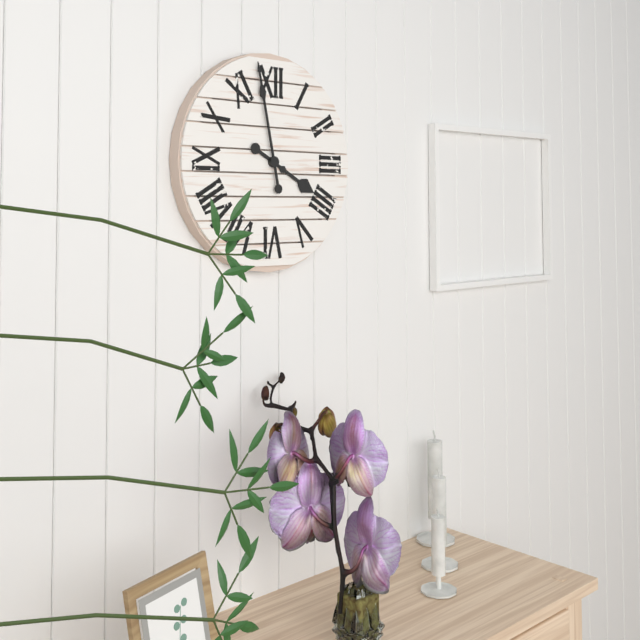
3 h 58 min
